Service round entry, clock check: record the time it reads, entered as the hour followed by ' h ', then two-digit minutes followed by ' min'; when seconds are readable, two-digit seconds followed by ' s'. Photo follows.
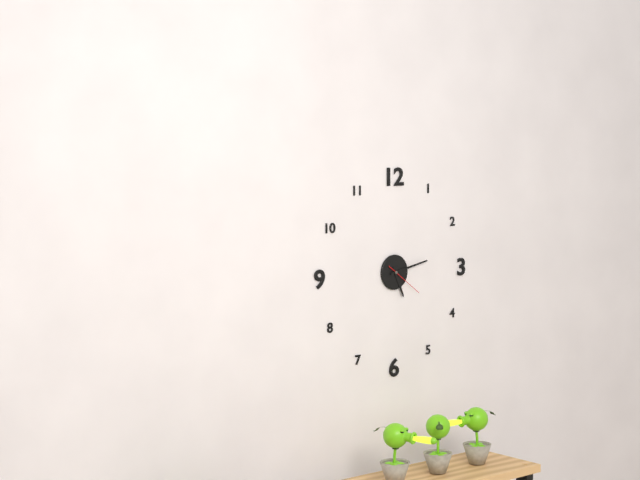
5 h 13 min
